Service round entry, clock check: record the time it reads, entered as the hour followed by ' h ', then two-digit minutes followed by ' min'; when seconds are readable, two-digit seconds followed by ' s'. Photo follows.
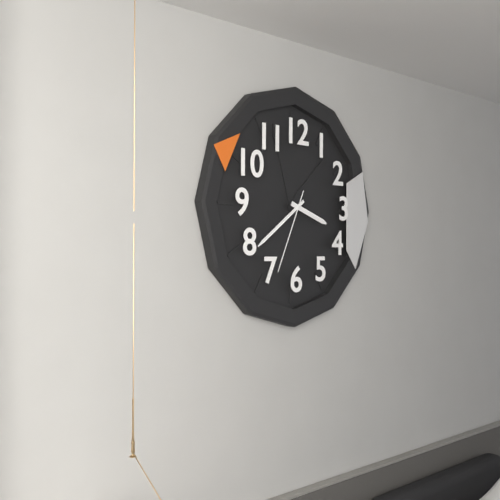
3 h 39 min 34 s
